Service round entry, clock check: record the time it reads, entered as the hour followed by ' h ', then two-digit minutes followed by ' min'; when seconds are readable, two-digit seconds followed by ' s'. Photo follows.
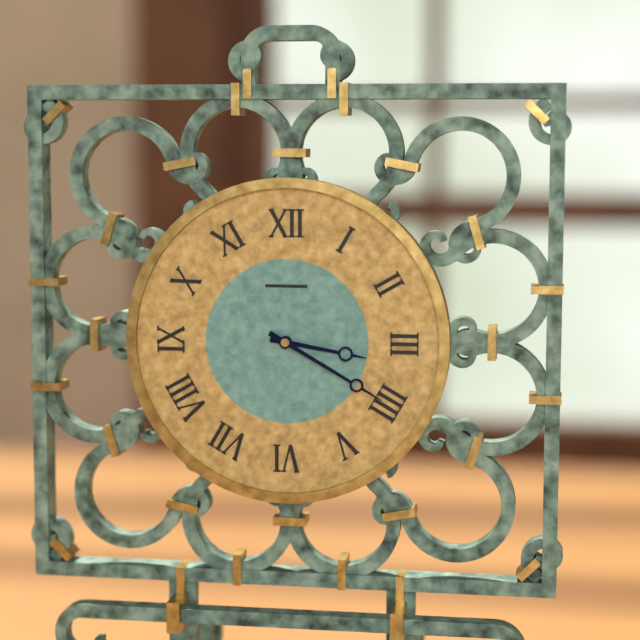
3 h 20 min
